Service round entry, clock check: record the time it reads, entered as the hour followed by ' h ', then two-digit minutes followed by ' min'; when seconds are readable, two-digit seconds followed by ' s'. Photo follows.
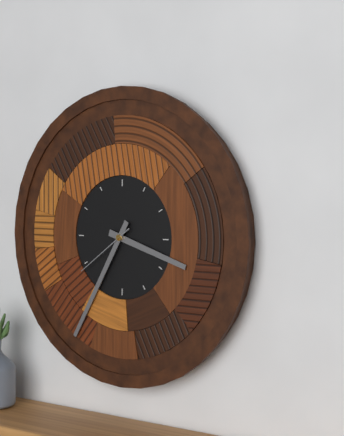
3 h 35 min 39 s
